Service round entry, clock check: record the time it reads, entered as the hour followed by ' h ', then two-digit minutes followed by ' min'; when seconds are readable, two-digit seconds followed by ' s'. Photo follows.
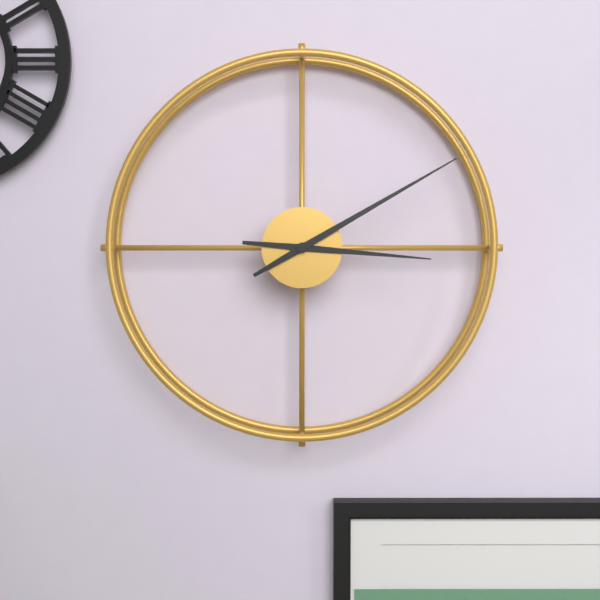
3 h 10 min
